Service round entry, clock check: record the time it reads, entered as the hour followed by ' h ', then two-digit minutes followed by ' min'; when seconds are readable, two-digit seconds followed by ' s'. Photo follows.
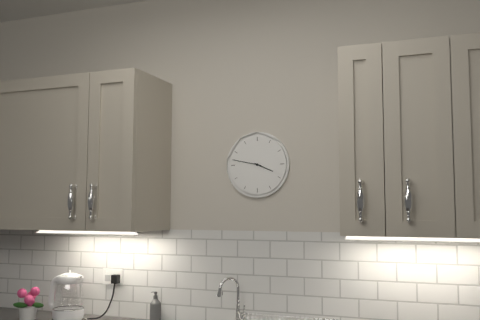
3 h 47 min
